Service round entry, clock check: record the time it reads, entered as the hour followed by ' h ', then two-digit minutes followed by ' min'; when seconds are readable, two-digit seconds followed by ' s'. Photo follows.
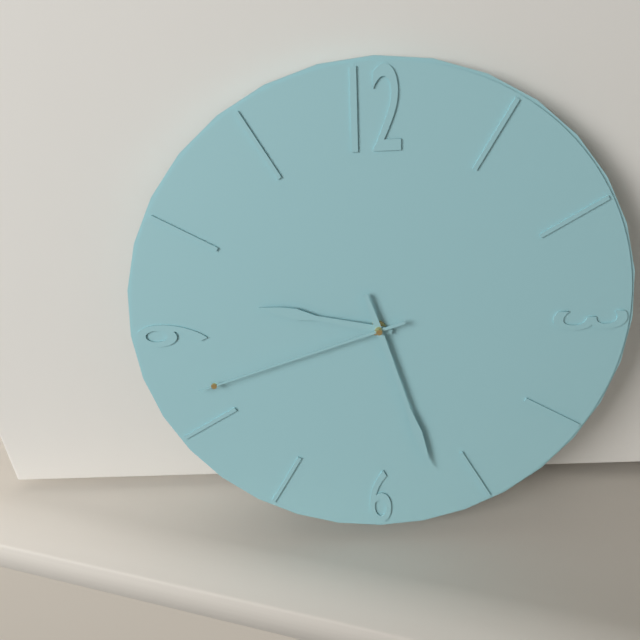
9 h 27 min 42 s
